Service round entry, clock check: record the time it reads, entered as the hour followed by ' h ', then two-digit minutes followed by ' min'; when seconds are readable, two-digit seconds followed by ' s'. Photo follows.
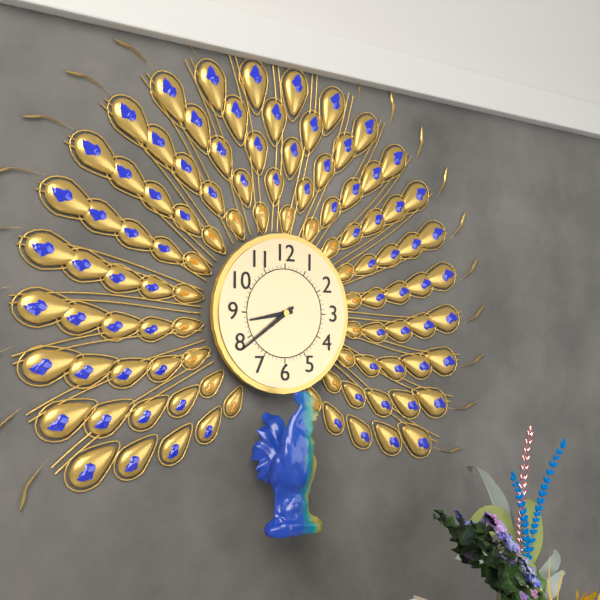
8 h 39 min
